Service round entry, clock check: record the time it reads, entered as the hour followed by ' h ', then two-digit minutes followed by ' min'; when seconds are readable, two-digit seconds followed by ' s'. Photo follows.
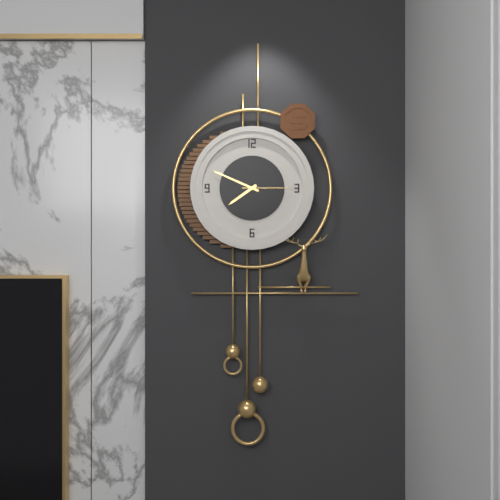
7 h 49 min
